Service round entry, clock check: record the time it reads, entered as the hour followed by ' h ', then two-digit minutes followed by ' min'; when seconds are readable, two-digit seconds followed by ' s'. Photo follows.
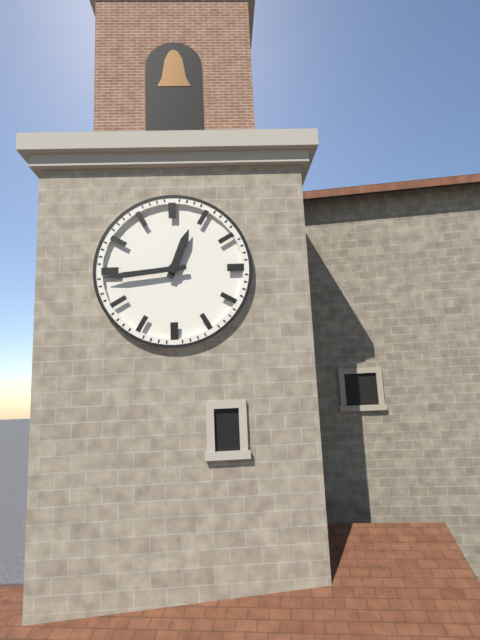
12 h 44 min
